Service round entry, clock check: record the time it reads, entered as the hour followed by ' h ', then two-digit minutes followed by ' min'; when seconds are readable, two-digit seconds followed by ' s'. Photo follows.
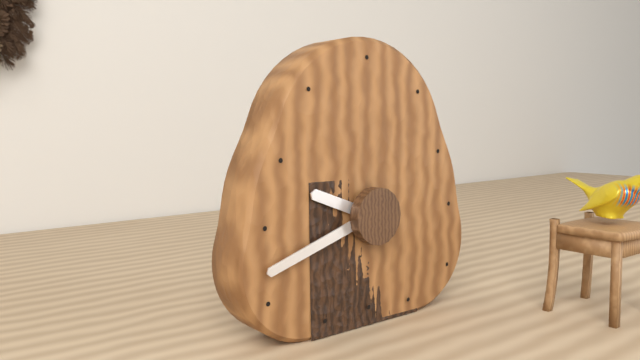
9 h 42 min
